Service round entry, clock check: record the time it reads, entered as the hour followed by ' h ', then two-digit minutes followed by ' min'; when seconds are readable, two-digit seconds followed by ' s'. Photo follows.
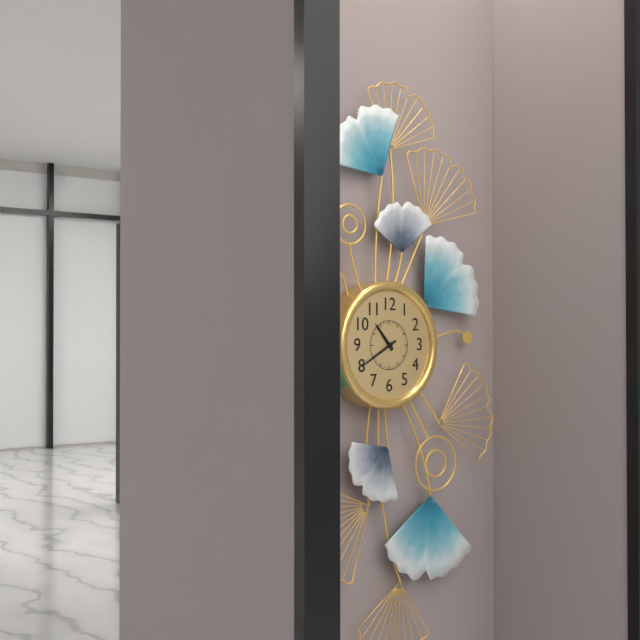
10 h 40 min
